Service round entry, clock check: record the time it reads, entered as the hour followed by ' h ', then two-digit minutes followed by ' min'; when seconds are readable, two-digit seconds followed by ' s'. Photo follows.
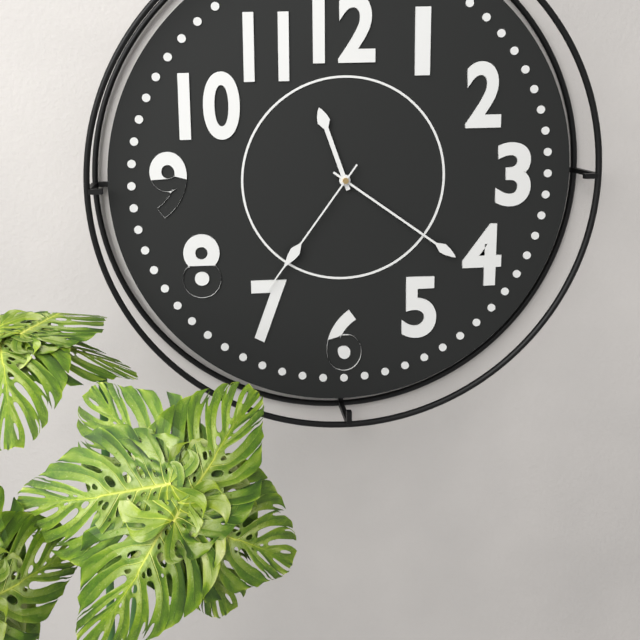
11 h 21 min 36 s
